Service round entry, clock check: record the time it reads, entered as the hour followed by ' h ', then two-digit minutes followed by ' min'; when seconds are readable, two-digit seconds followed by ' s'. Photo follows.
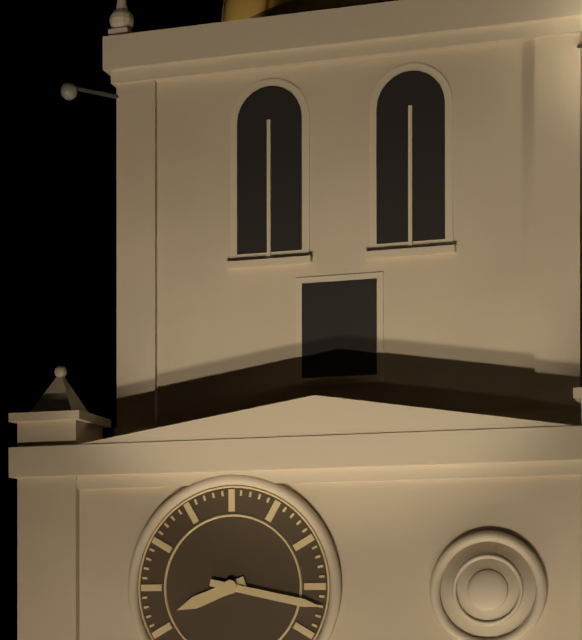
8 h 17 min
